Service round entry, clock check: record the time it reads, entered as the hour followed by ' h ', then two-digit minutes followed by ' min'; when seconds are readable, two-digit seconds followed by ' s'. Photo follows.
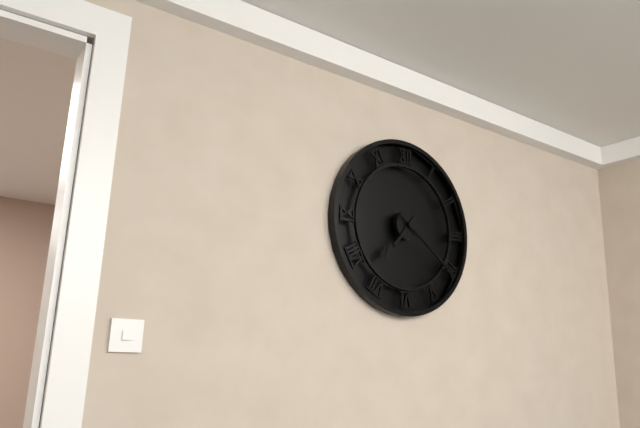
7 h 21 min
